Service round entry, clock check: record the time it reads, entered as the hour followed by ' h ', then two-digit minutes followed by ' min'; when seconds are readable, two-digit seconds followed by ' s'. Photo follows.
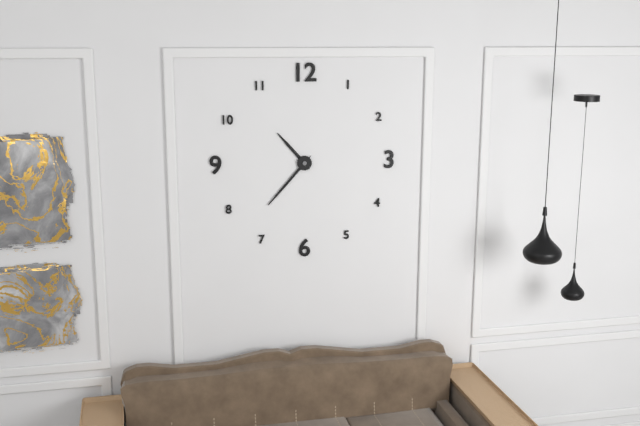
10 h 37 min
